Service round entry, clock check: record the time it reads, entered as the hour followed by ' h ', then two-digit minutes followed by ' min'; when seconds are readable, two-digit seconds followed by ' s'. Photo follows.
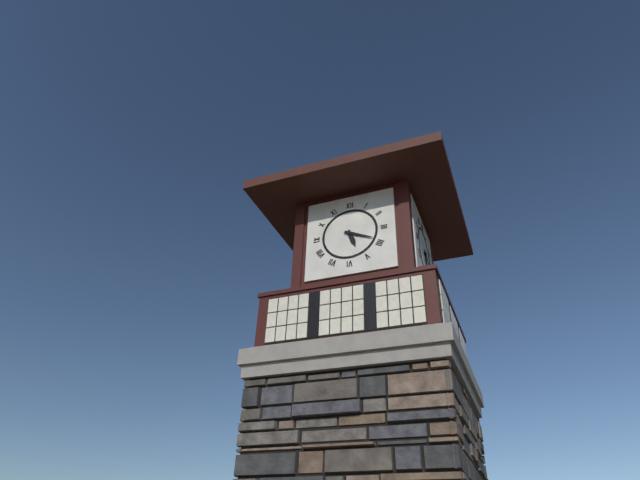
5 h 19 min
